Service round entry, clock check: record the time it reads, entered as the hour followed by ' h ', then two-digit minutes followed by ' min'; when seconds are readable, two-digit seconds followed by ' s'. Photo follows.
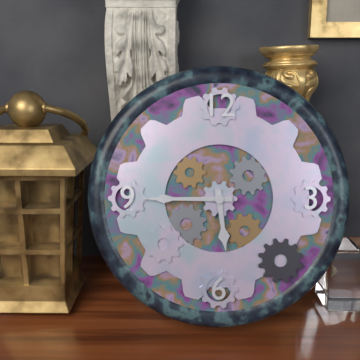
5 h 45 min
